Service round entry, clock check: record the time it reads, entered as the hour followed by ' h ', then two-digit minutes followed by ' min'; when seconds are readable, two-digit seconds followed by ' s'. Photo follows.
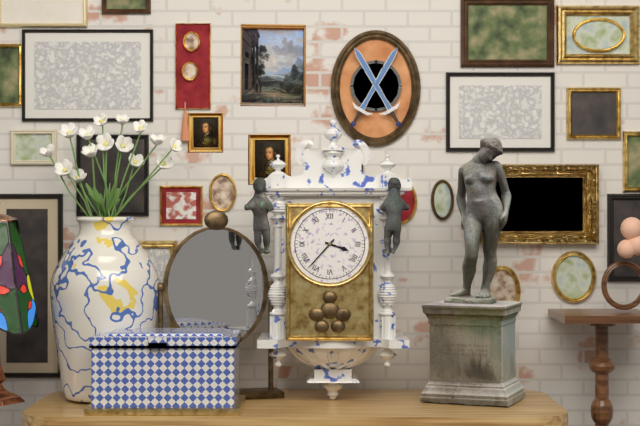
3 h 37 min
